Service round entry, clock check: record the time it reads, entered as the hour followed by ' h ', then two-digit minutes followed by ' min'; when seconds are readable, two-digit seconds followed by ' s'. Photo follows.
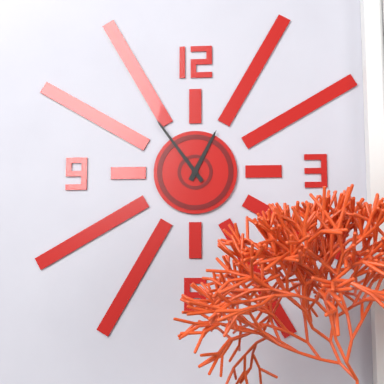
12 h 54 min
